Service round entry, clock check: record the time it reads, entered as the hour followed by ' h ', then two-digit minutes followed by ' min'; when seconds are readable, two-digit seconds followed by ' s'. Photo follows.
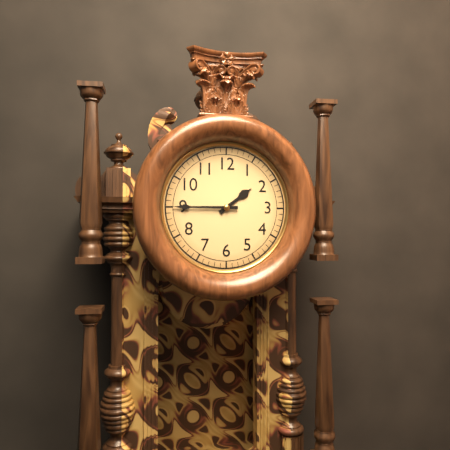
1 h 45 min
